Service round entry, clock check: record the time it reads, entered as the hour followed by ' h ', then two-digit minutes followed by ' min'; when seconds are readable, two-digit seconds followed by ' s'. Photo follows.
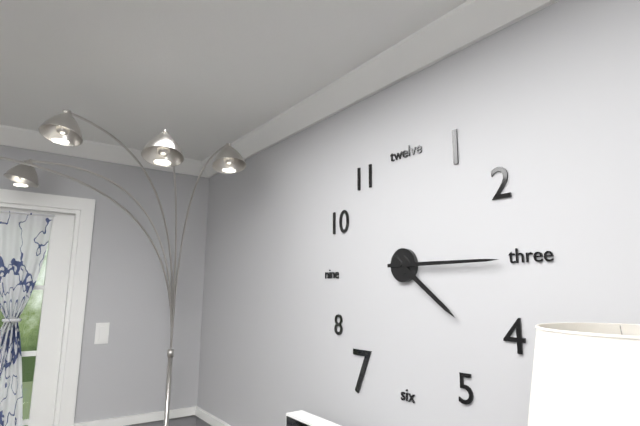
4 h 15 min
